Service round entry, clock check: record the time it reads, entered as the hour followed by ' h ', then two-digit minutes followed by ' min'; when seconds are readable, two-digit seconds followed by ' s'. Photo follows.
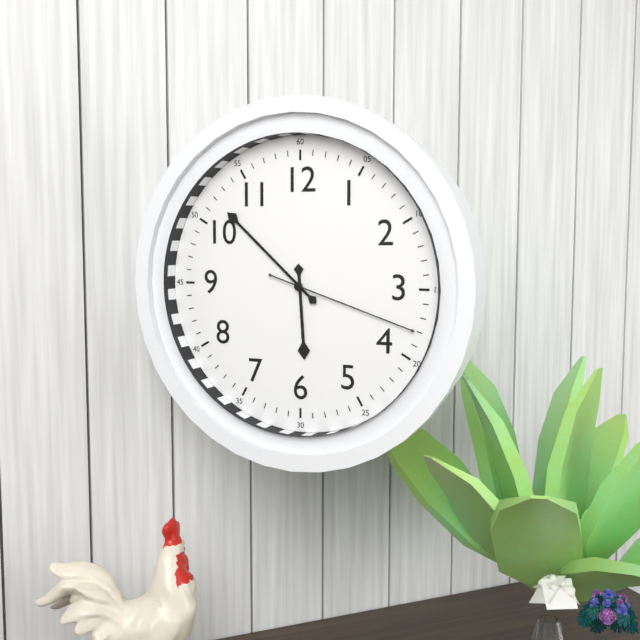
5 h 52 min 18 s
